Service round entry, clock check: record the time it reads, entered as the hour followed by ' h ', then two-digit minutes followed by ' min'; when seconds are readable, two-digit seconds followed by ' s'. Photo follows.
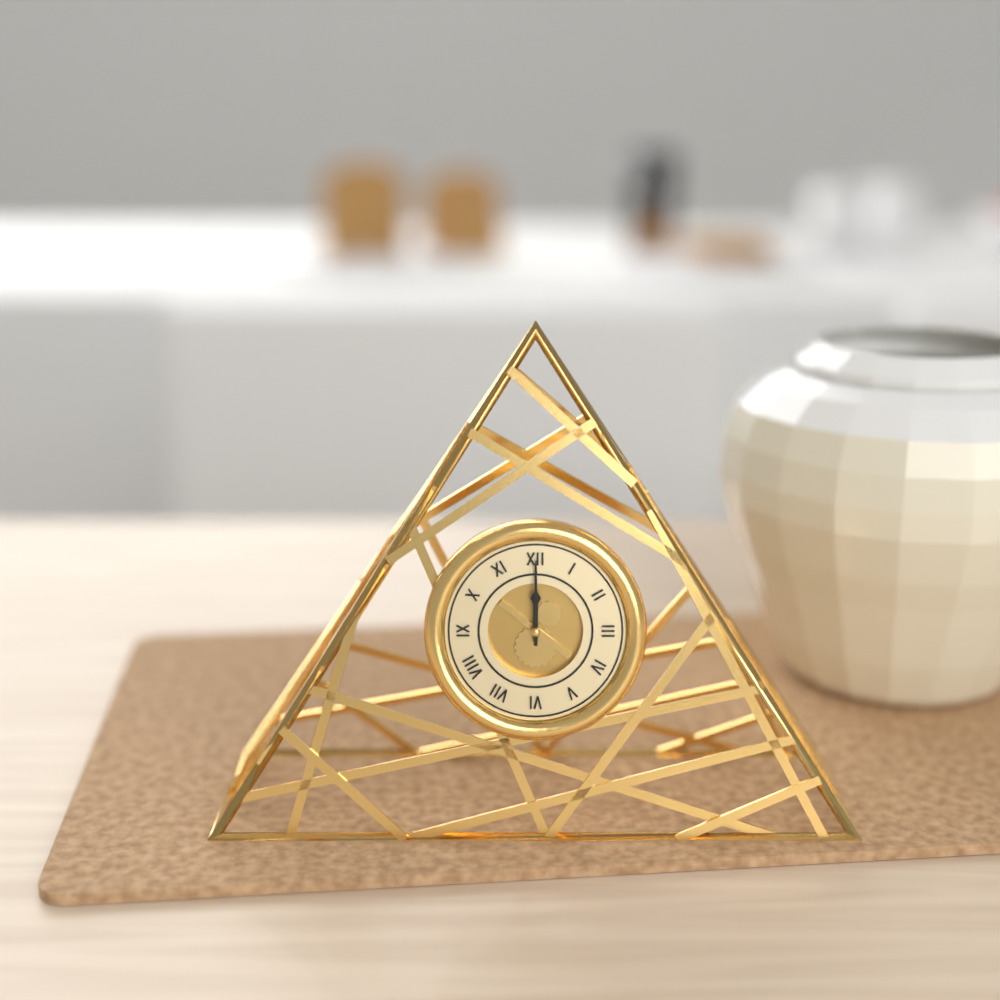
12 h 00 min
